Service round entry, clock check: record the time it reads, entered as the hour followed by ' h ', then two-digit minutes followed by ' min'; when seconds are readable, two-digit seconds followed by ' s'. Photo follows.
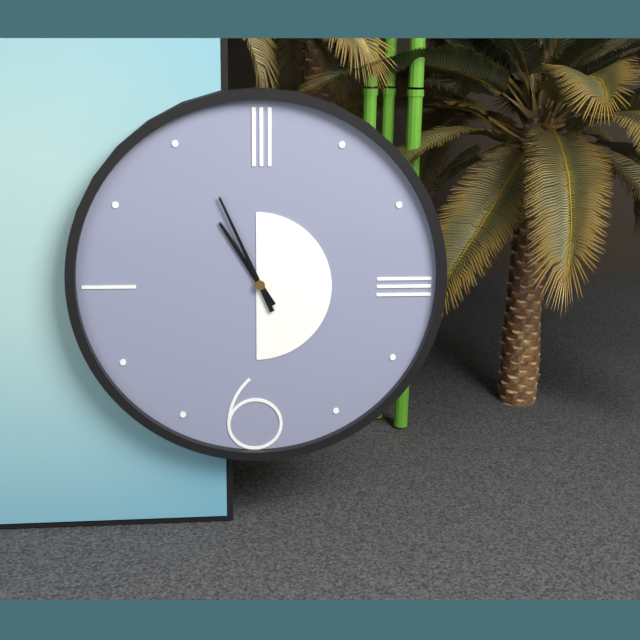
10 h 56 min
